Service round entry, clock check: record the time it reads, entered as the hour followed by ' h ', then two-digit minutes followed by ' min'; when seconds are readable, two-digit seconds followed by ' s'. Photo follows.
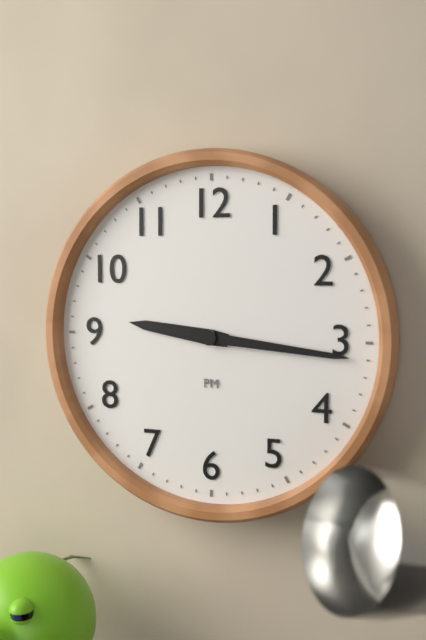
9 h 16 min
